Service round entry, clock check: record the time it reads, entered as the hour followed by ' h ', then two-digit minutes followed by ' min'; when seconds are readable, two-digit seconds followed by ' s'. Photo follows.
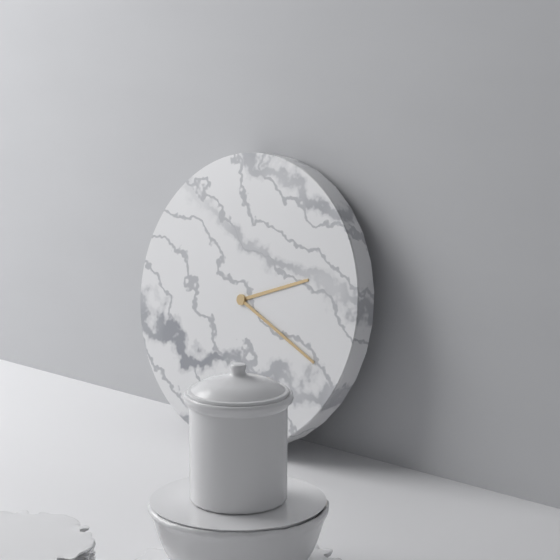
2 h 19 min
